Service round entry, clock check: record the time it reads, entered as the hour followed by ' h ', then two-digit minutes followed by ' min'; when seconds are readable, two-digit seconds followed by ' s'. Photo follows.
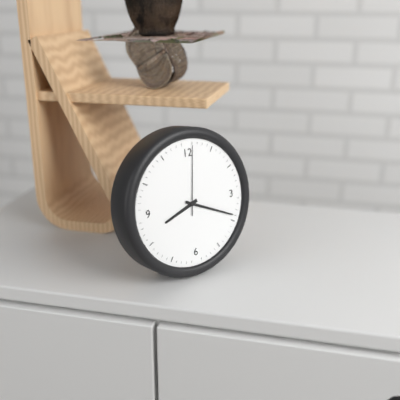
8 h 19 min 01 s
